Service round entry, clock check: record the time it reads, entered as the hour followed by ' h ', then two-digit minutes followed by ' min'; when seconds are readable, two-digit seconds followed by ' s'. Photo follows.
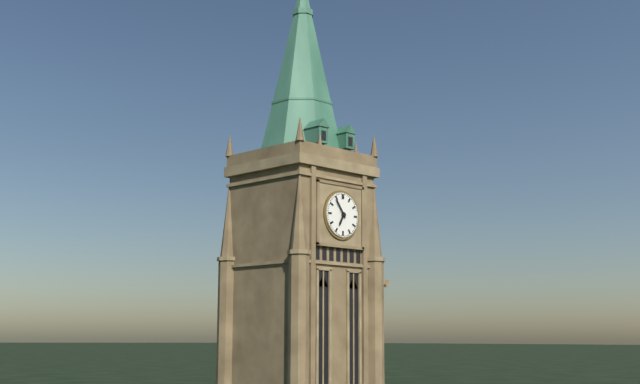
6 h 54 min
